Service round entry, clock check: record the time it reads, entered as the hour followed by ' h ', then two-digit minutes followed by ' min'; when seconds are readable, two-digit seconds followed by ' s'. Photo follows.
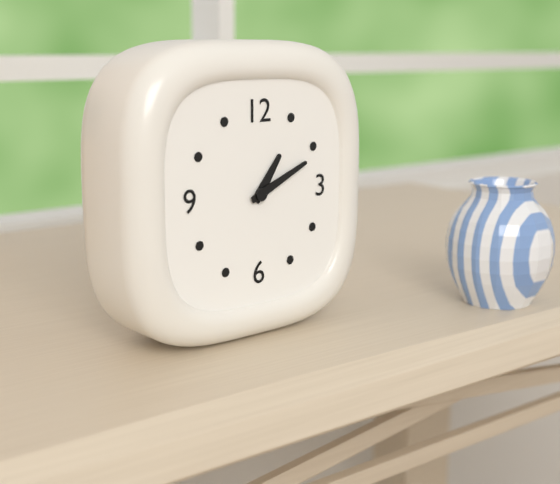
1 h 11 min
